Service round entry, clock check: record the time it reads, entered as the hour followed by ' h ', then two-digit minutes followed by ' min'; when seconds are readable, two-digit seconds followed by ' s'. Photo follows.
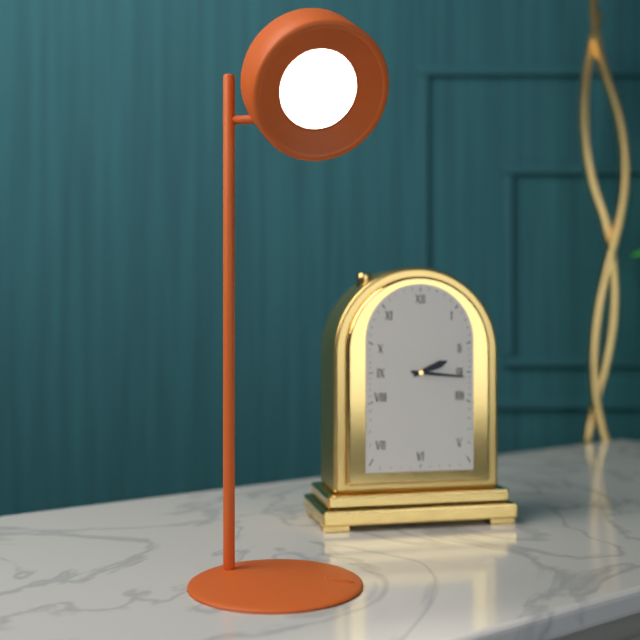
2 h 16 min
